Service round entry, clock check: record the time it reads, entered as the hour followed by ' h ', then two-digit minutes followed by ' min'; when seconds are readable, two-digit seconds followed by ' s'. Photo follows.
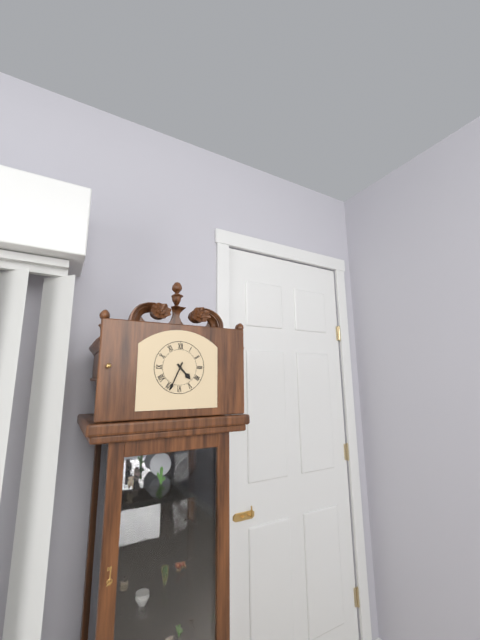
4 h 34 min
